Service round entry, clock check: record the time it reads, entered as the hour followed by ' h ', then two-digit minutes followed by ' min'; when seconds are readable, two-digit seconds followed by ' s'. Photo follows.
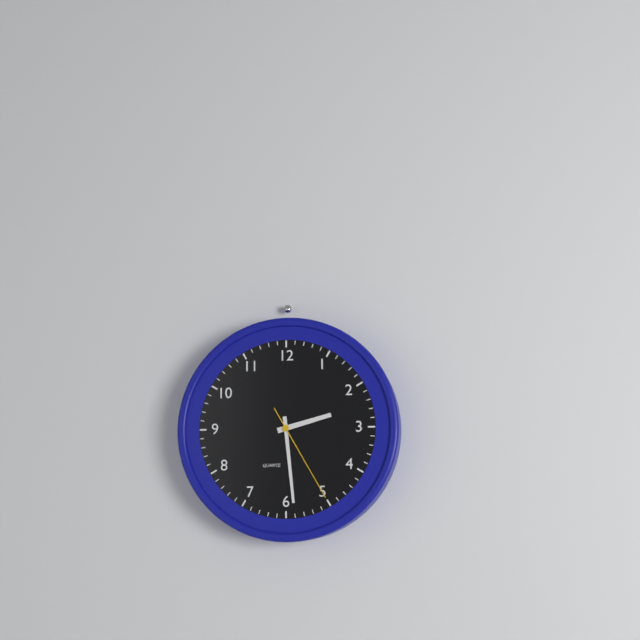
2 h 29 min 25 s
